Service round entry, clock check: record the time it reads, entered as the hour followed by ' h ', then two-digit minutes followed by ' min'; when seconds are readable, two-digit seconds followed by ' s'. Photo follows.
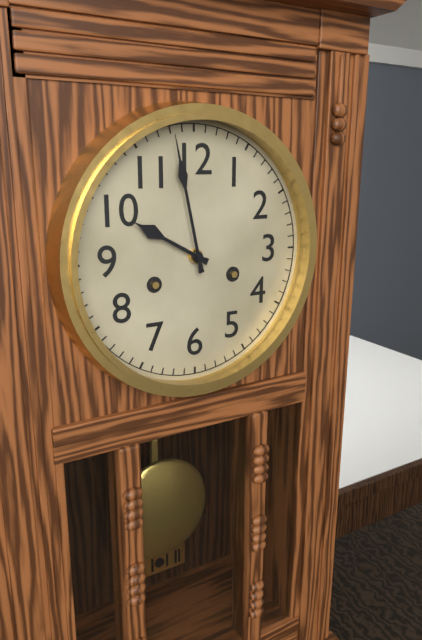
9 h 58 min
